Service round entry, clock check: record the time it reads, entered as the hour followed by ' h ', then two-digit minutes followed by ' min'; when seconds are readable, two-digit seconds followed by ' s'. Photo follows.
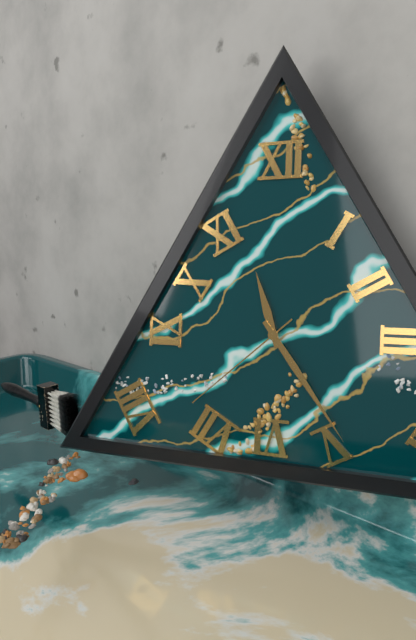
11 h 24 min 38 s
